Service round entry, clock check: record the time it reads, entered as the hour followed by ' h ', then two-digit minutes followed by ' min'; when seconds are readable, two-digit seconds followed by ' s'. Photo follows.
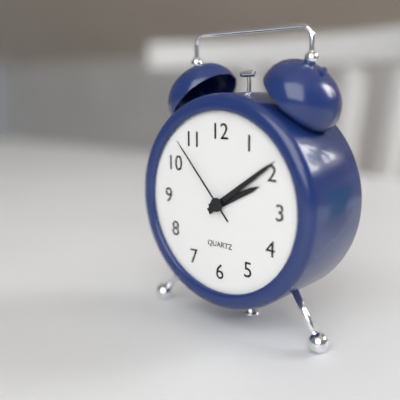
2 h 09 min 53 s
